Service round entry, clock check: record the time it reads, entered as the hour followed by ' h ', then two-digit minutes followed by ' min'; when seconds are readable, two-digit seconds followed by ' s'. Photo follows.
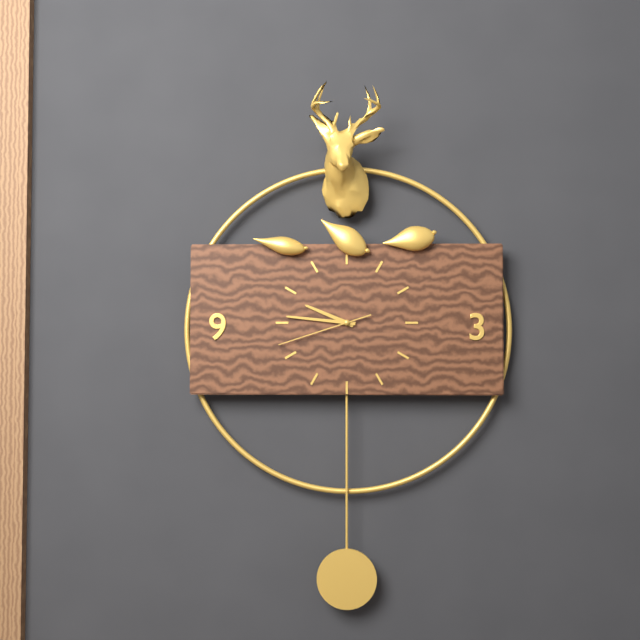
9 h 46 min 42 s
